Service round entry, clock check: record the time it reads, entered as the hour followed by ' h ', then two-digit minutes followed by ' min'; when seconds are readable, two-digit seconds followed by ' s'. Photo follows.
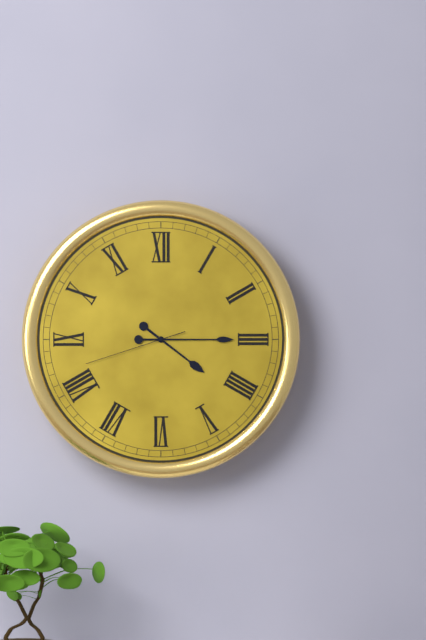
4 h 15 min 42 s
